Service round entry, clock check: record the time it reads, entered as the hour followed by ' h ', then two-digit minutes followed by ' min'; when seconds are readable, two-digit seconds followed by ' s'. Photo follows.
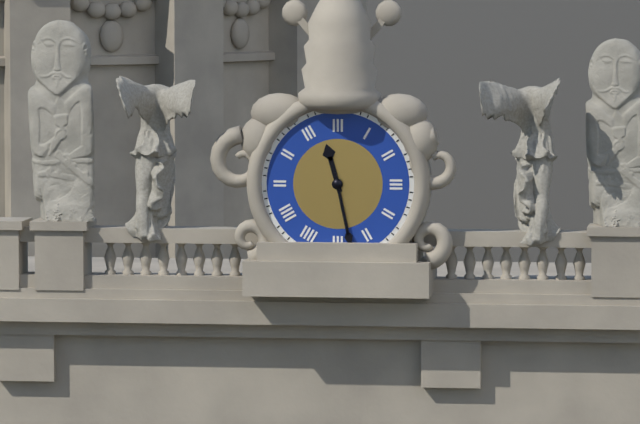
11 h 28 min
